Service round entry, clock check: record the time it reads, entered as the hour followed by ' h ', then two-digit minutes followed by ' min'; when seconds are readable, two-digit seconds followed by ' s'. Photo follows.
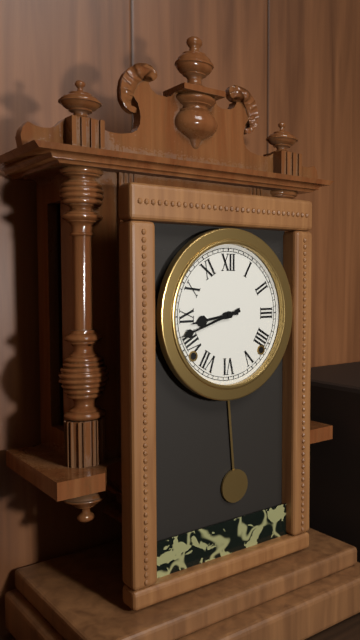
8 h 42 min
